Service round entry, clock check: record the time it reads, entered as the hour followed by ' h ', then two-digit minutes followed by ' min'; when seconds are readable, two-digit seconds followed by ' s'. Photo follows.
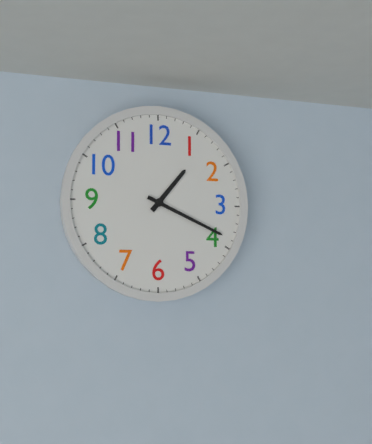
1 h 19 min
